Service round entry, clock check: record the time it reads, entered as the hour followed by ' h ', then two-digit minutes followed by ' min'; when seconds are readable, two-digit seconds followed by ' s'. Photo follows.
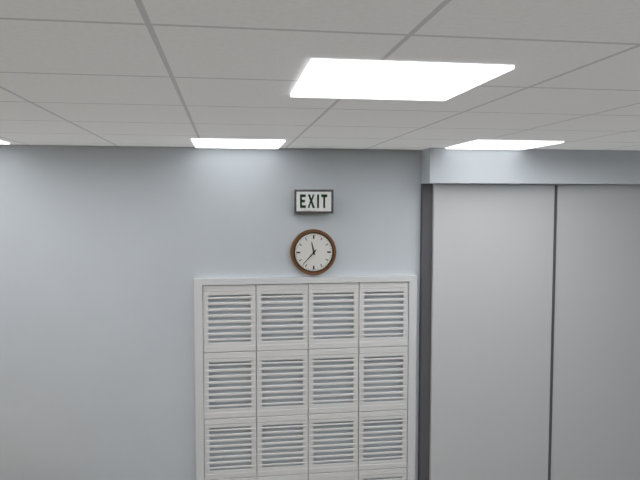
11 h 37 min
